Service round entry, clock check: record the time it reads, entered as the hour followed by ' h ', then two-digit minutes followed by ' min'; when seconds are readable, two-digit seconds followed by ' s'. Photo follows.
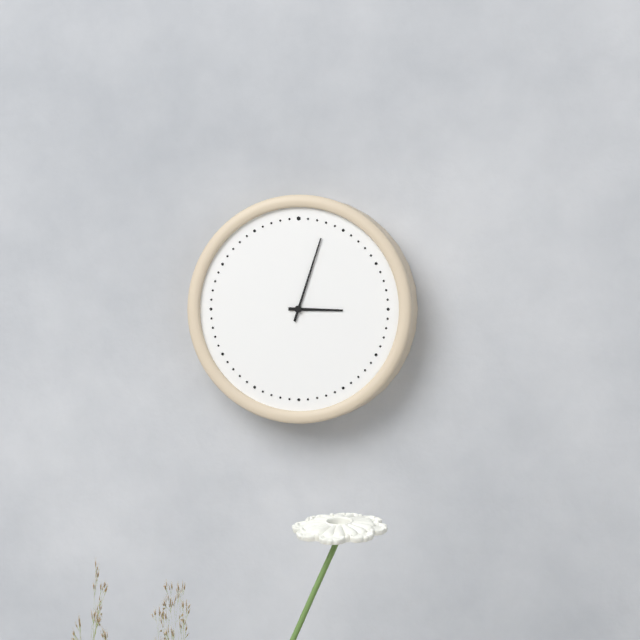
3 h 03 min
